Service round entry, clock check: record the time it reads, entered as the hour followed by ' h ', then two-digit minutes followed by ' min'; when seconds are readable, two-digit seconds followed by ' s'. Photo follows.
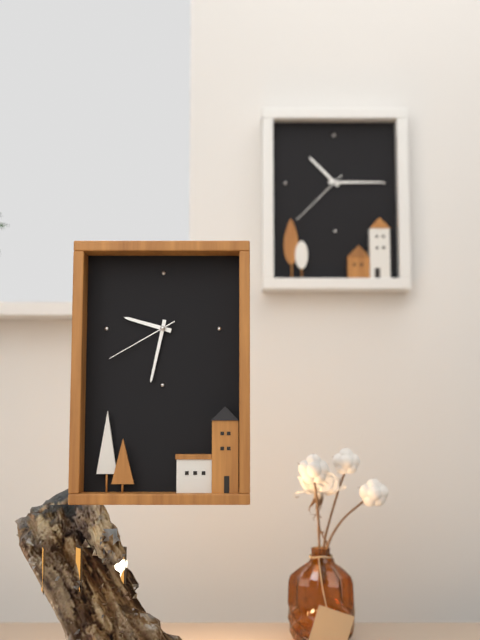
9 h 32 min 40 s
